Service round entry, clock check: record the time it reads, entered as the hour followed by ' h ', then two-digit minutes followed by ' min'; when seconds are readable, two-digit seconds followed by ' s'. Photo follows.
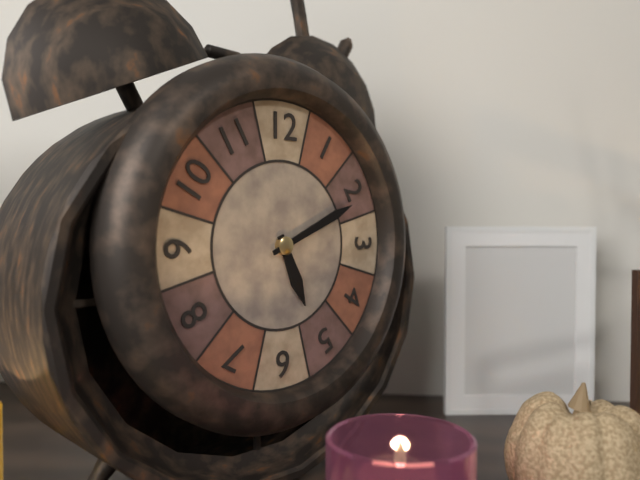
5 h 11 min
